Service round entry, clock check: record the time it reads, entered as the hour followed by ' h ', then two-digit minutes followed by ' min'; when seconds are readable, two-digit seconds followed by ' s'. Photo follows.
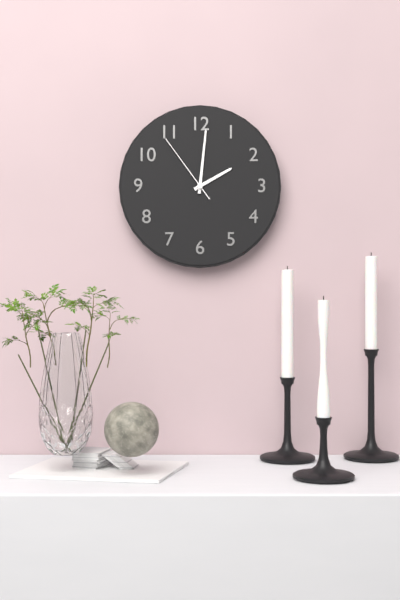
2 h 01 min 54 s
